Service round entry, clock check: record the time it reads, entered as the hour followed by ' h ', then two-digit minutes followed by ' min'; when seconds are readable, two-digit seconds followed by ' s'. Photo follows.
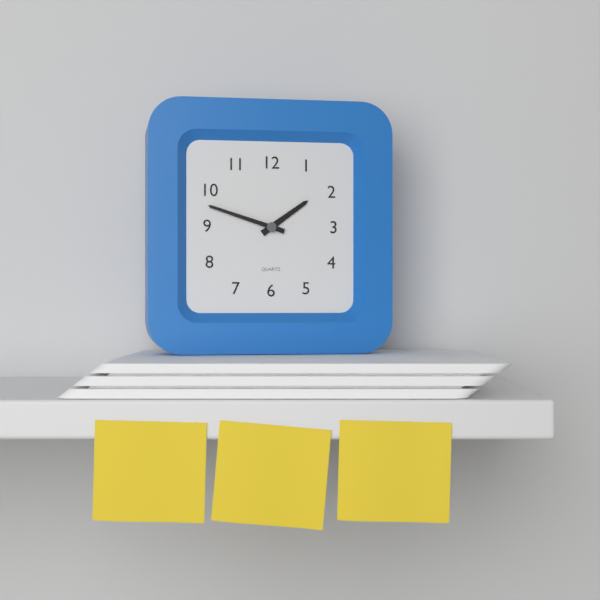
1 h 48 min
